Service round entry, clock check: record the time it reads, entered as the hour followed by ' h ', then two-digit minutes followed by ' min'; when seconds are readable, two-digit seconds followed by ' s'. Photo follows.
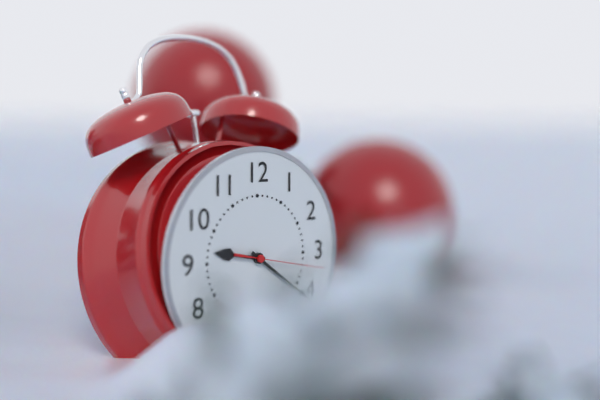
9 h 21 min
